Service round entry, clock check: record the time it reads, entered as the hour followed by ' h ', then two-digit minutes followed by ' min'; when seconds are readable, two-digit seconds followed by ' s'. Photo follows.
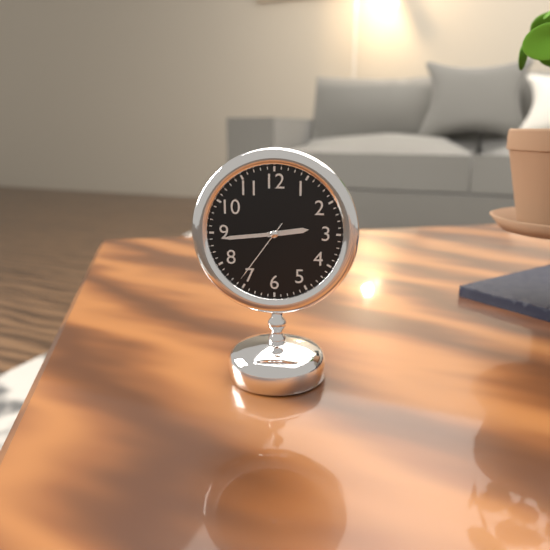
2 h 44 min 36 s
